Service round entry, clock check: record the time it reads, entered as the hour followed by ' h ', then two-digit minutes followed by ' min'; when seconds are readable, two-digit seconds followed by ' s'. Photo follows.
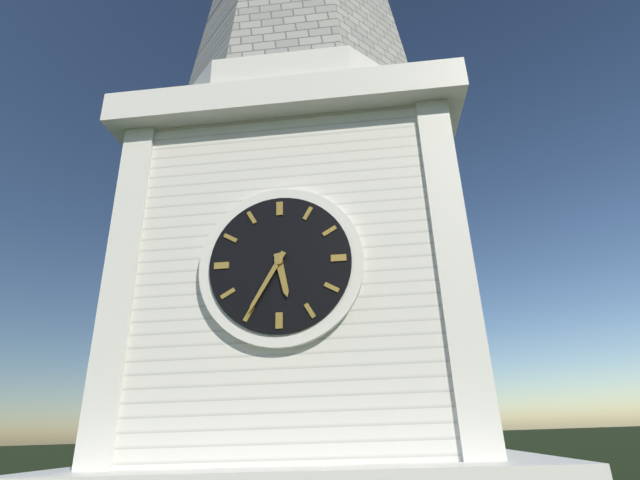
5 h 35 min
